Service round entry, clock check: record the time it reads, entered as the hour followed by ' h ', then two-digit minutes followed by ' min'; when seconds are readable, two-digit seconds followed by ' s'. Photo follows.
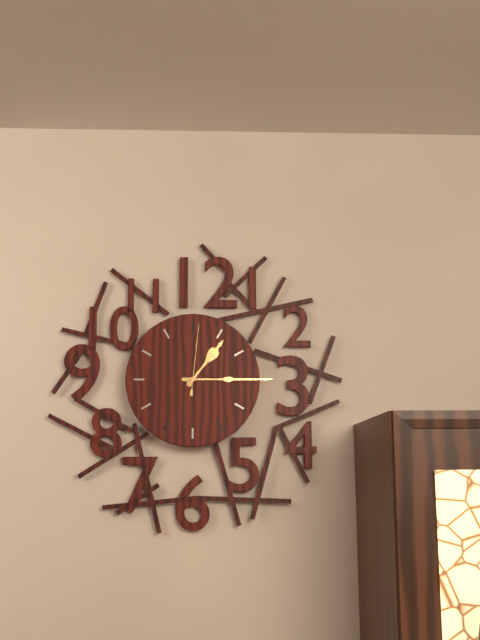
1 h 15 min 01 s
